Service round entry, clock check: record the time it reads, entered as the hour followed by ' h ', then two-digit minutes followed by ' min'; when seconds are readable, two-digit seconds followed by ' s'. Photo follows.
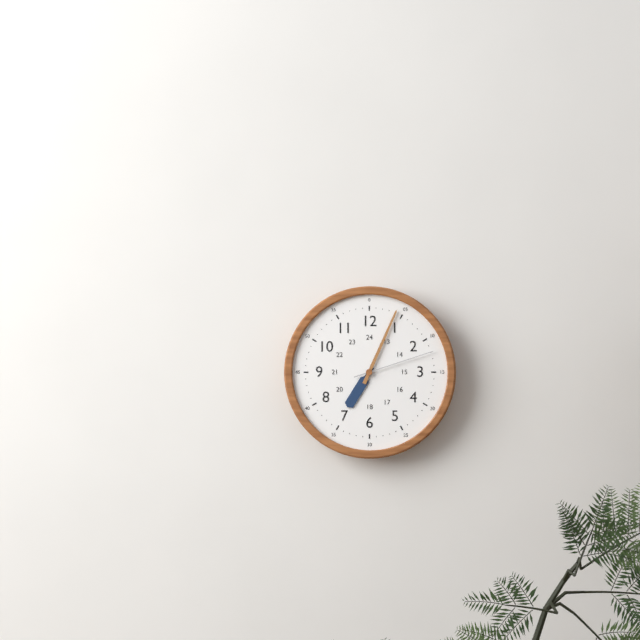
7 h 04 min 12 s
